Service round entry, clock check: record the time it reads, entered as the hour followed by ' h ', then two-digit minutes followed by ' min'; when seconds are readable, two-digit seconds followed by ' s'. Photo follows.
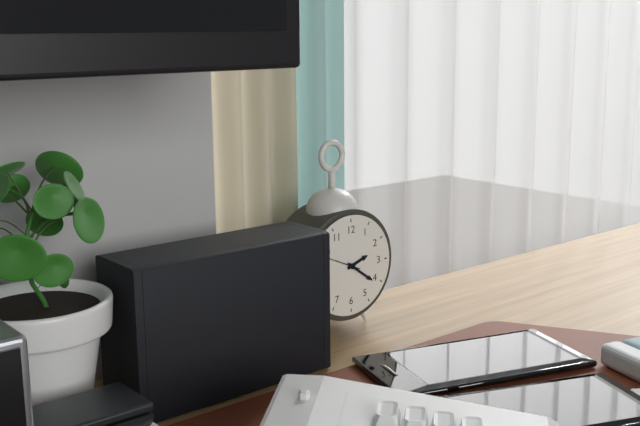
2 h 21 min
